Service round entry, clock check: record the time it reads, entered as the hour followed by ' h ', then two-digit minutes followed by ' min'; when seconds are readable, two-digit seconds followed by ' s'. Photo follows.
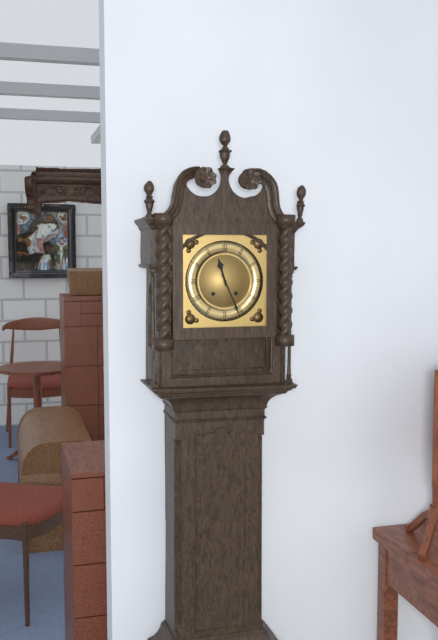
11 h 26 min
